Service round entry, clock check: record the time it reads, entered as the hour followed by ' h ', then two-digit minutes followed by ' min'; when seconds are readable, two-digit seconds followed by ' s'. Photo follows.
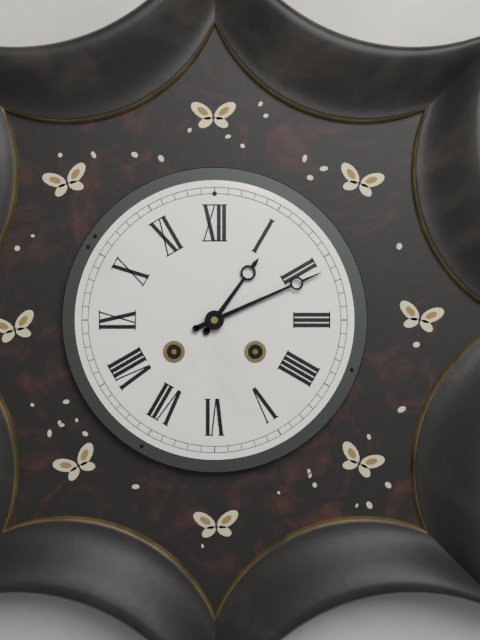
1 h 11 min
